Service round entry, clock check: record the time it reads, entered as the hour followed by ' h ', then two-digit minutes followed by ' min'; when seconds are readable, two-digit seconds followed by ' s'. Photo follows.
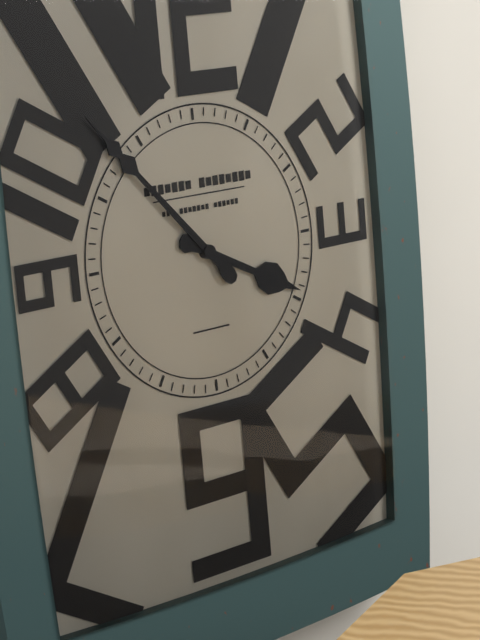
3 h 53 min
